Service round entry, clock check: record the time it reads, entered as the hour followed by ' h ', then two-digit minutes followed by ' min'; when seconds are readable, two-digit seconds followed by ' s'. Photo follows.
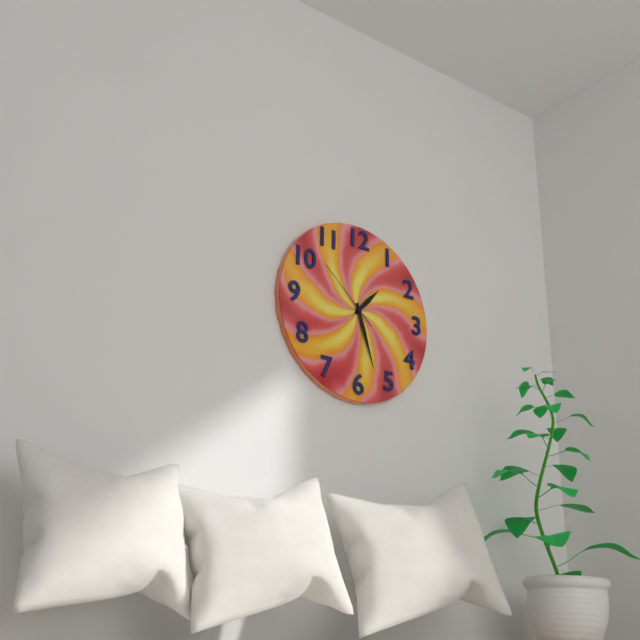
1 h 27 min 52 s
